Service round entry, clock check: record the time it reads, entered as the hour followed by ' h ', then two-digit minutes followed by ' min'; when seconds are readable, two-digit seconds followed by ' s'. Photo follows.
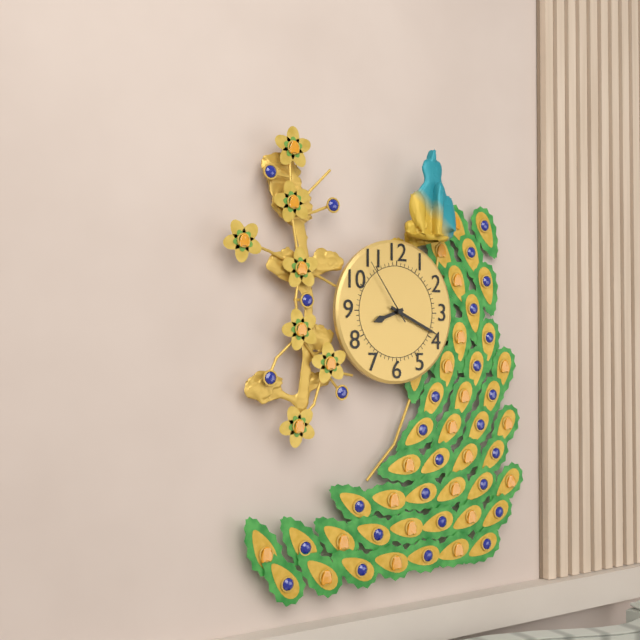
8 h 19 min 54 s
